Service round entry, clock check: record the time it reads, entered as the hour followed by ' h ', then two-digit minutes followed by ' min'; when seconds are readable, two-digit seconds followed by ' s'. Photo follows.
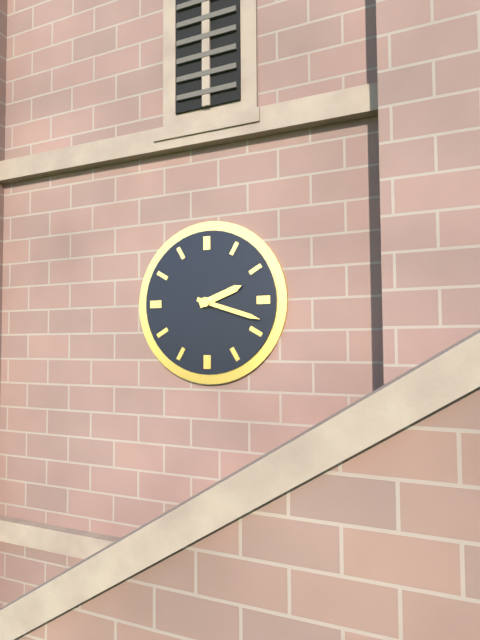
2 h 18 min
